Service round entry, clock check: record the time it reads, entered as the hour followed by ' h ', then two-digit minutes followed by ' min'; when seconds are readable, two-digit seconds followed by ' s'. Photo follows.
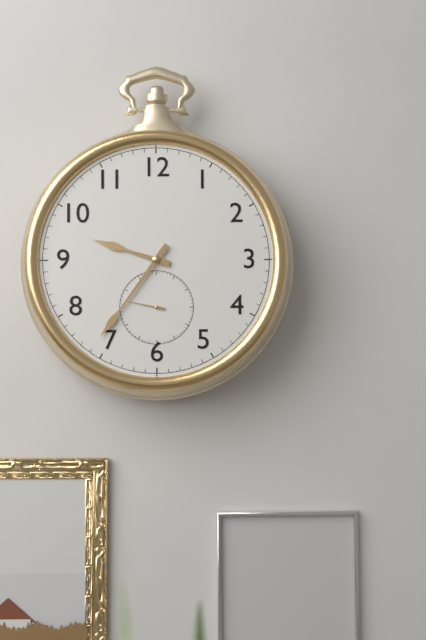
9 h 36 min
